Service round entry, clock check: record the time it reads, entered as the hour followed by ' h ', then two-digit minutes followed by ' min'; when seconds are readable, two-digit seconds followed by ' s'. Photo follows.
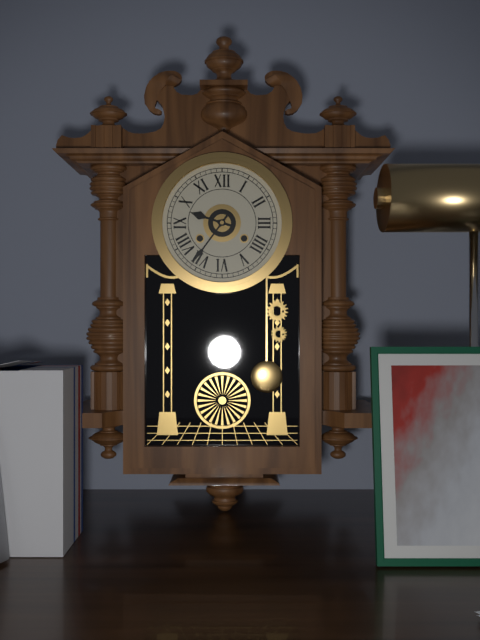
9 h 36 min
